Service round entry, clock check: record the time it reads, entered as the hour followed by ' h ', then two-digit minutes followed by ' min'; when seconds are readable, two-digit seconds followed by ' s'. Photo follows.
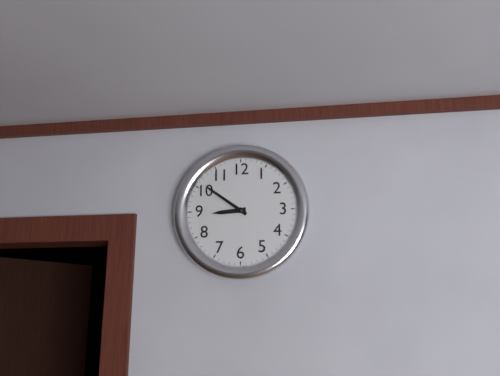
8 h 51 min
